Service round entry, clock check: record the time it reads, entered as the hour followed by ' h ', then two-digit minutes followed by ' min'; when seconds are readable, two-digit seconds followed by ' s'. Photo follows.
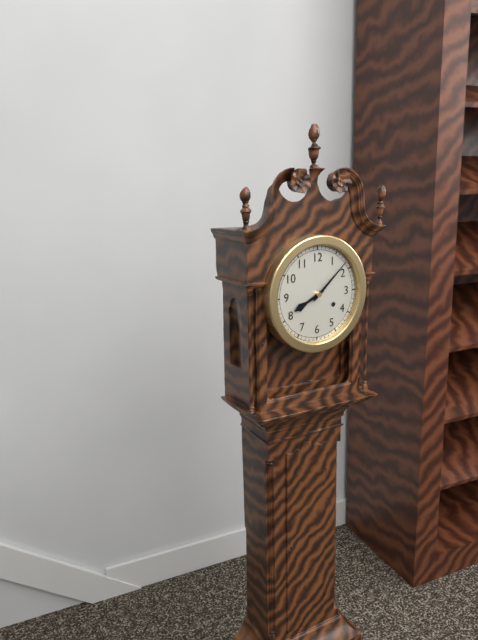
8 h 08 min
